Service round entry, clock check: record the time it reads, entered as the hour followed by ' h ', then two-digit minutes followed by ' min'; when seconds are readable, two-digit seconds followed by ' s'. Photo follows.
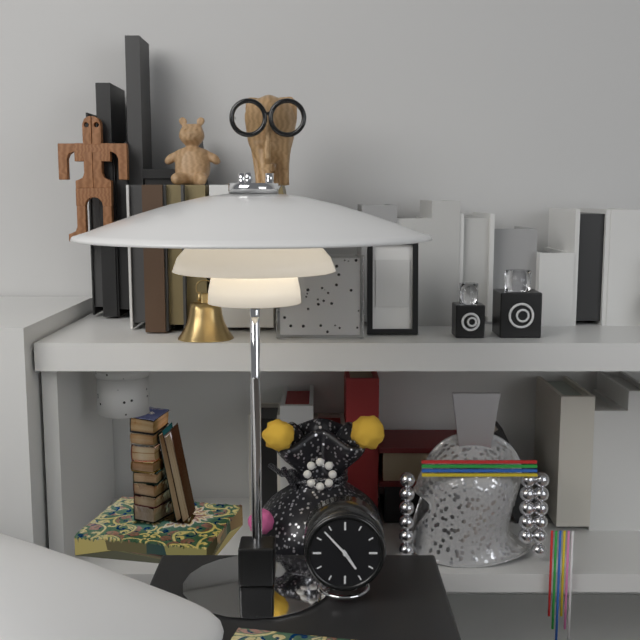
4 h 53 min
